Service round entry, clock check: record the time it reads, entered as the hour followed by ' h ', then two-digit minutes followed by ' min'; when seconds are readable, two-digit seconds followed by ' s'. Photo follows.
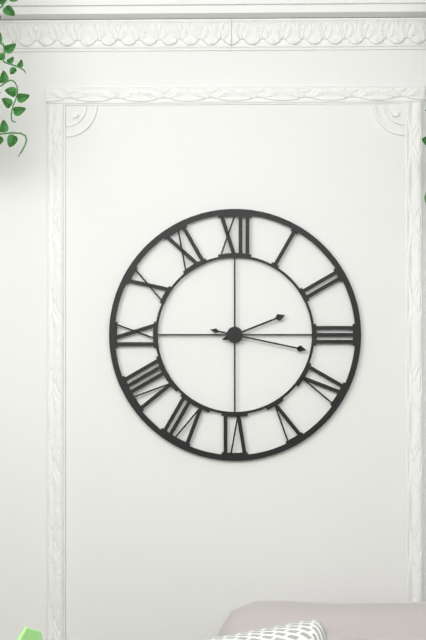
2 h 17 min
